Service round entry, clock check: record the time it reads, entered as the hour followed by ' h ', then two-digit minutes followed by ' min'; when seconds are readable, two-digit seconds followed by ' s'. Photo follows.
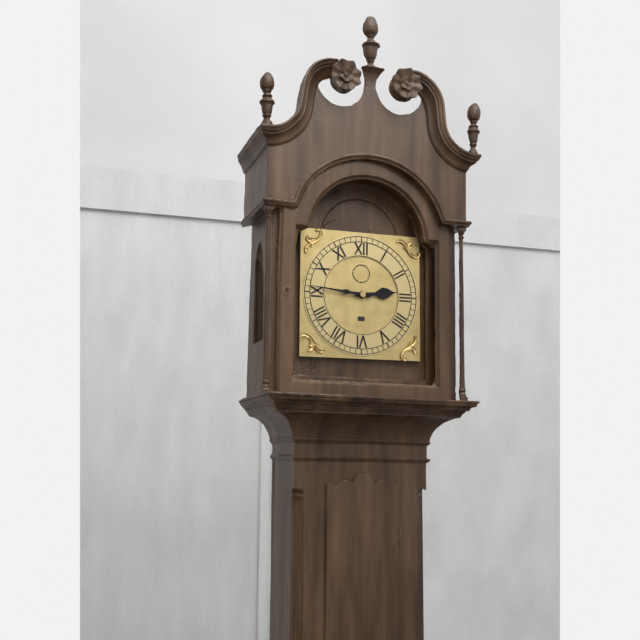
2 h 46 min
